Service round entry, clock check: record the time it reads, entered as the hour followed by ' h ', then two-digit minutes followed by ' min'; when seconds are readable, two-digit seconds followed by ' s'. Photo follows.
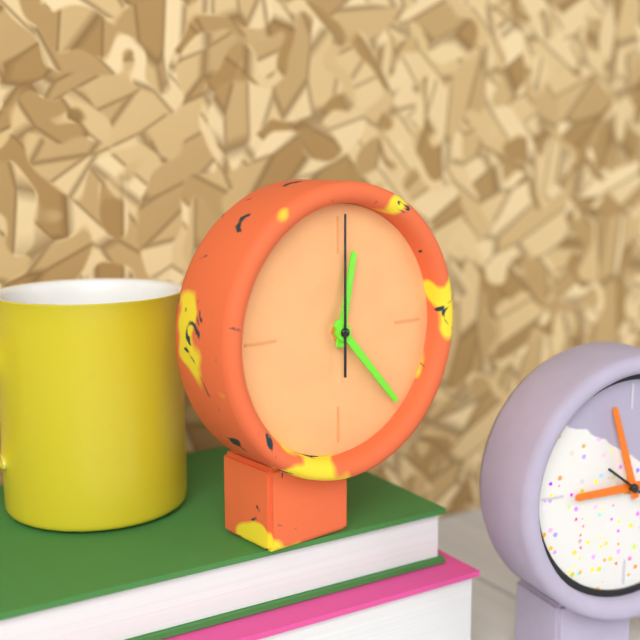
12 h 23 min 00 s
